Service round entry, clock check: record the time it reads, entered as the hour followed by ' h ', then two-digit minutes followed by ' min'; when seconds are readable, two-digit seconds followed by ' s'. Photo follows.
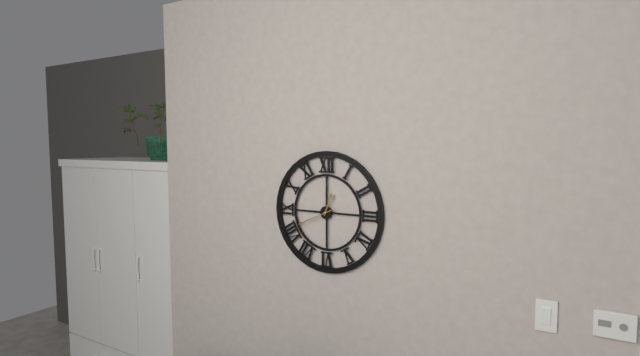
12 h 41 min
